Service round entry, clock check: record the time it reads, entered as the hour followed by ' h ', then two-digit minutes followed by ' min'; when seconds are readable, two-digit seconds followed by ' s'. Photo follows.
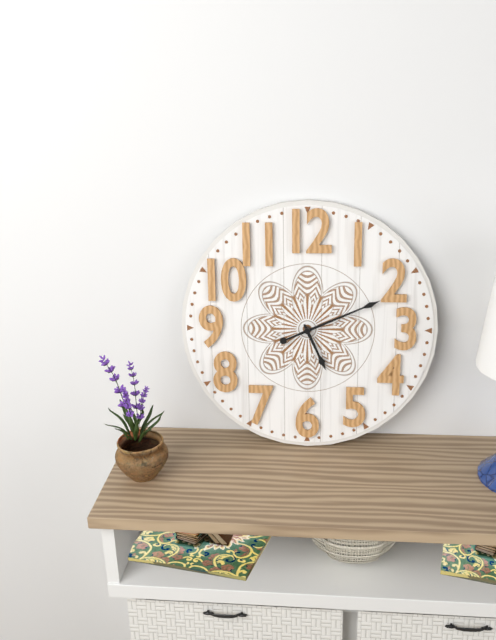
5 h 11 min
